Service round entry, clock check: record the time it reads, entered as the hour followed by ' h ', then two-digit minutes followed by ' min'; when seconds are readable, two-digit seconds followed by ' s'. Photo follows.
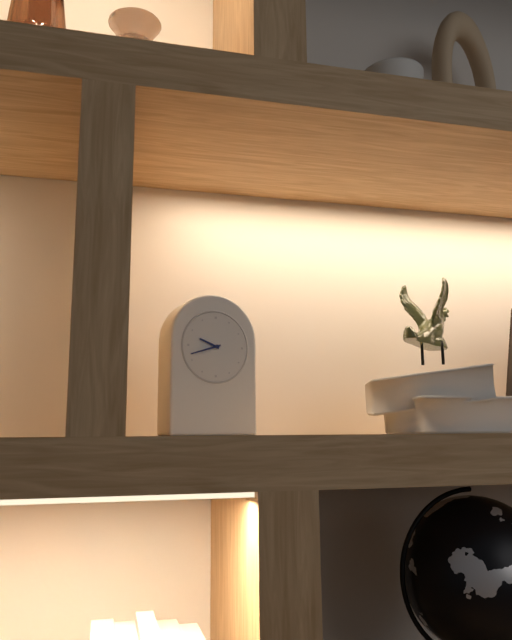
9 h 42 min
